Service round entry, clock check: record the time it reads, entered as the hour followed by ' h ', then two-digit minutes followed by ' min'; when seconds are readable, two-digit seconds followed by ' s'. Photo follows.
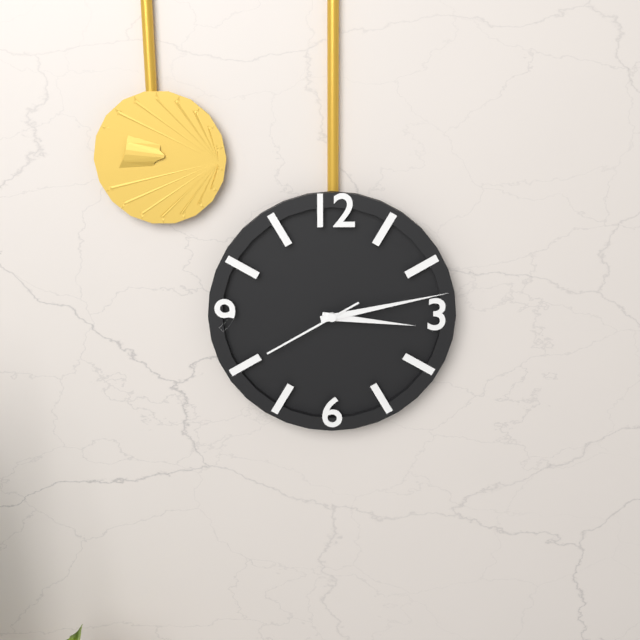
3 h 13 min 40 s
